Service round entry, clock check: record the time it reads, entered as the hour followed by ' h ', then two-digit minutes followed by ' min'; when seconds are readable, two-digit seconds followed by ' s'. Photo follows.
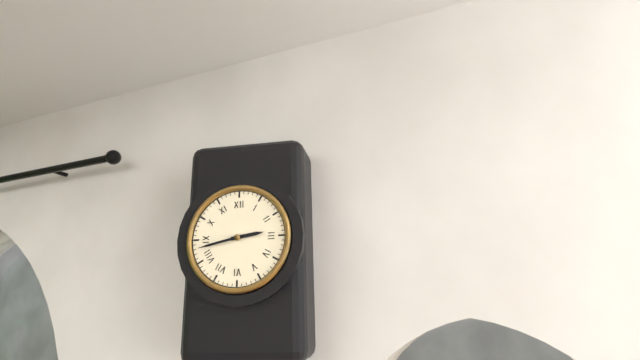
2 h 43 min
